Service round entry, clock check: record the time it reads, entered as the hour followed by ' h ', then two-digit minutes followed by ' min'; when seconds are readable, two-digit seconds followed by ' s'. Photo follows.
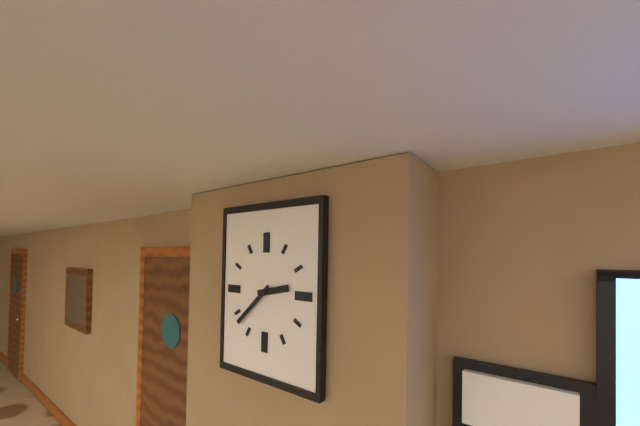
2 h 38 min
